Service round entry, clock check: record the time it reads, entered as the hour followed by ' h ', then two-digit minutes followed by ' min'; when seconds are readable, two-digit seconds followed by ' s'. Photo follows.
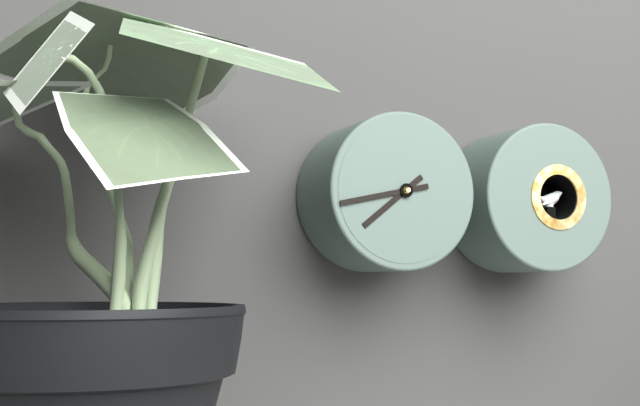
7 h 43 min
